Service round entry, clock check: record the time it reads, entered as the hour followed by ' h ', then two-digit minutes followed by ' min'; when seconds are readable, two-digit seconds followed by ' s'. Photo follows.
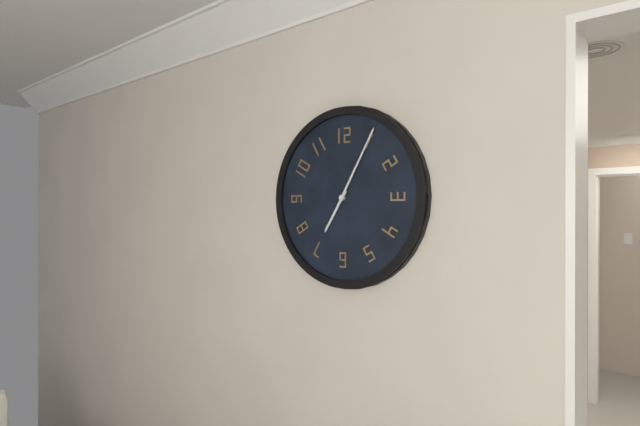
7 h 05 min
